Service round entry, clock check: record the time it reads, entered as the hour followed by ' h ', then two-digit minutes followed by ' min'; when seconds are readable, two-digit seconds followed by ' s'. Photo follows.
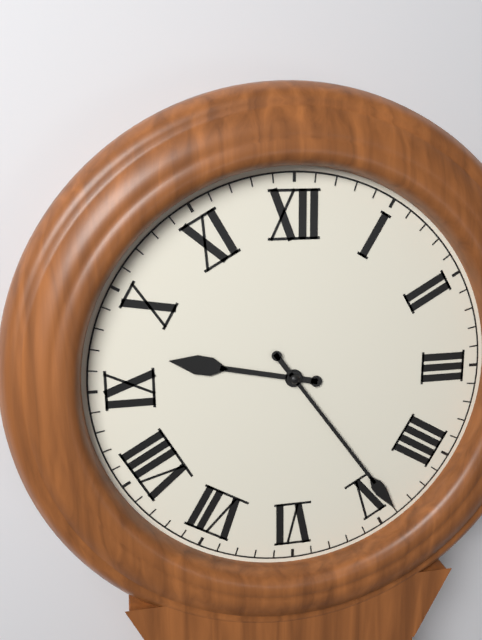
9 h 24 min
